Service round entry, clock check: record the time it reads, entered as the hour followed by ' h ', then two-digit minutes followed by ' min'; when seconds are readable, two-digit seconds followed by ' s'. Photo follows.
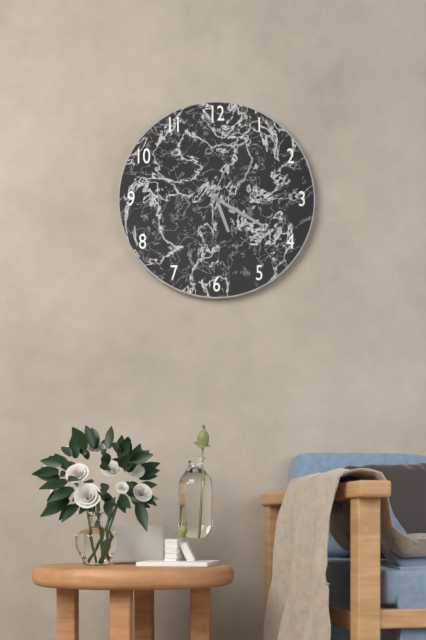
5 h 20 min
